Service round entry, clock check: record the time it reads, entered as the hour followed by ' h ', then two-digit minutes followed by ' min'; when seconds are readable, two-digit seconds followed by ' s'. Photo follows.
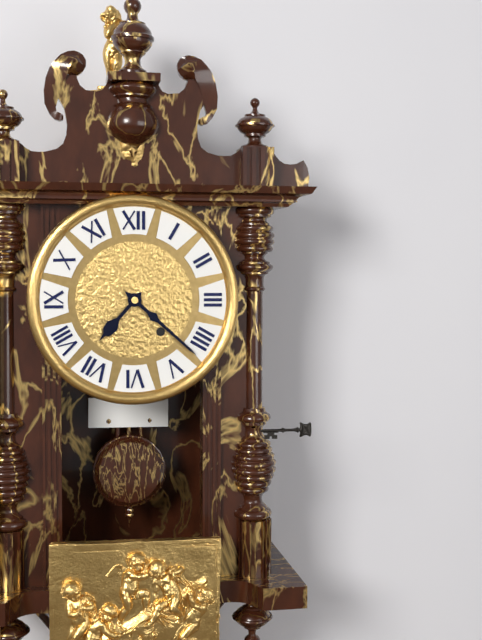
7 h 22 min
